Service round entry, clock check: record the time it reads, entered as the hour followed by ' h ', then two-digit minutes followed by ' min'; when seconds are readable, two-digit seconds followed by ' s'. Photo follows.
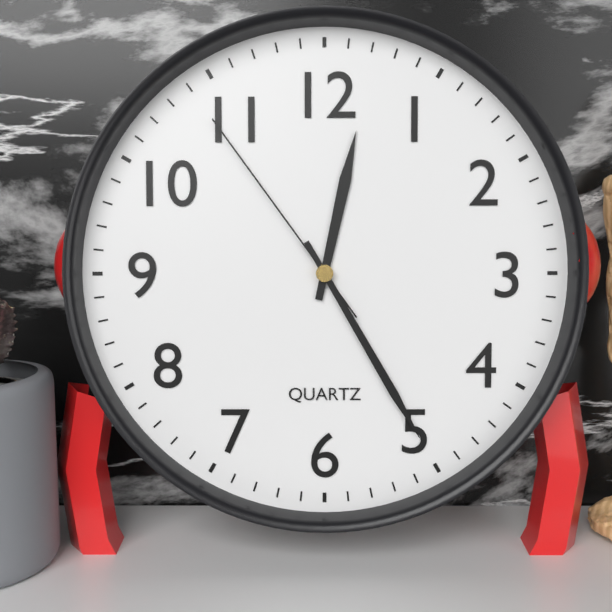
12 h 25 min 54 s
